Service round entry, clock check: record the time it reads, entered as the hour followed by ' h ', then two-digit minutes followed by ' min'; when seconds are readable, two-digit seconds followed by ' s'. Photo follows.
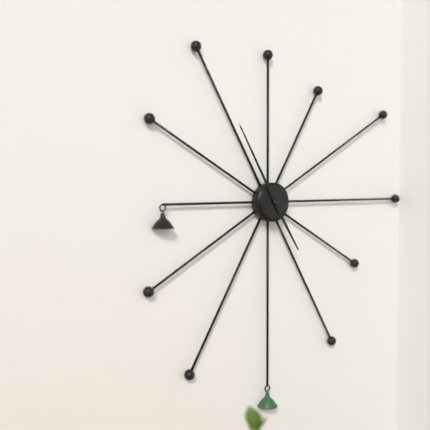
4 h 55 min
